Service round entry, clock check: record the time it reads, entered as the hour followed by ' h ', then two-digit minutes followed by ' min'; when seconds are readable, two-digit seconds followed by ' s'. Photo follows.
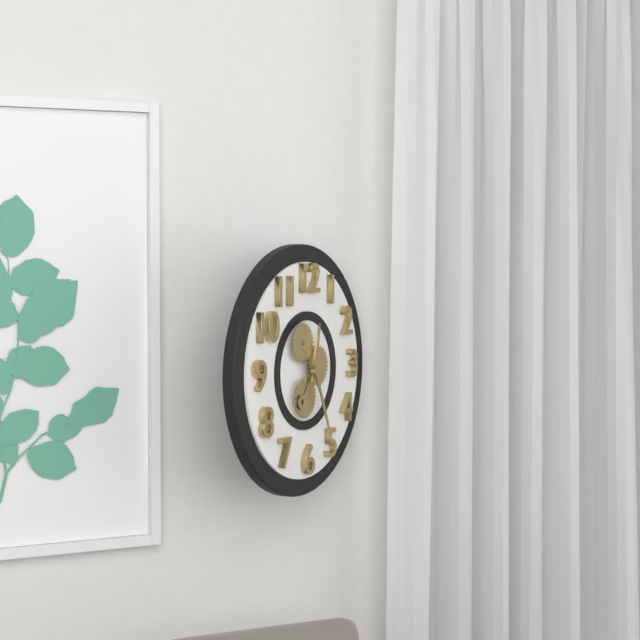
12 h 26 min
